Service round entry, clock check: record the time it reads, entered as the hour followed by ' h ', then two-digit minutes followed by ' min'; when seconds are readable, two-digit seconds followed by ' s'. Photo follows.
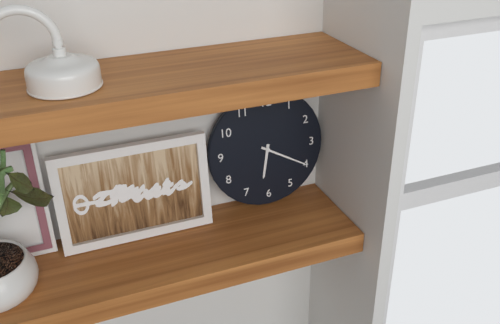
6 h 20 min
